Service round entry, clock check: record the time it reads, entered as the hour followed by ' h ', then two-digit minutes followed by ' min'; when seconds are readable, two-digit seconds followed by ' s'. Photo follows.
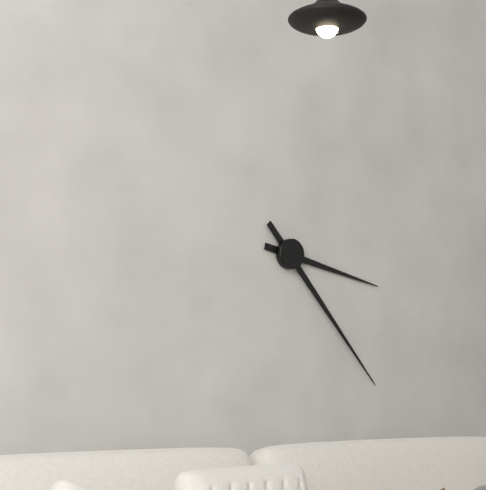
3 h 23 min
